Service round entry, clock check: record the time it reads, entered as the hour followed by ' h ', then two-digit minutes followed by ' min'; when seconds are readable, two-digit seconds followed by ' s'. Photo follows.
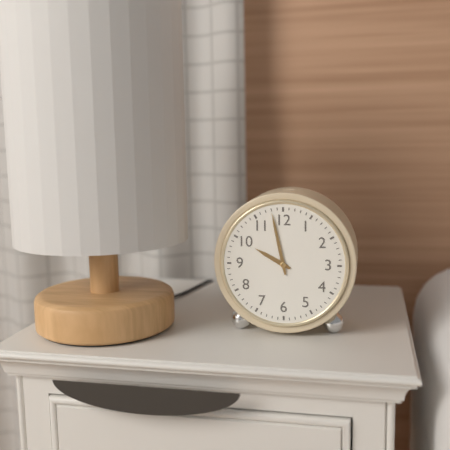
9 h 58 min
